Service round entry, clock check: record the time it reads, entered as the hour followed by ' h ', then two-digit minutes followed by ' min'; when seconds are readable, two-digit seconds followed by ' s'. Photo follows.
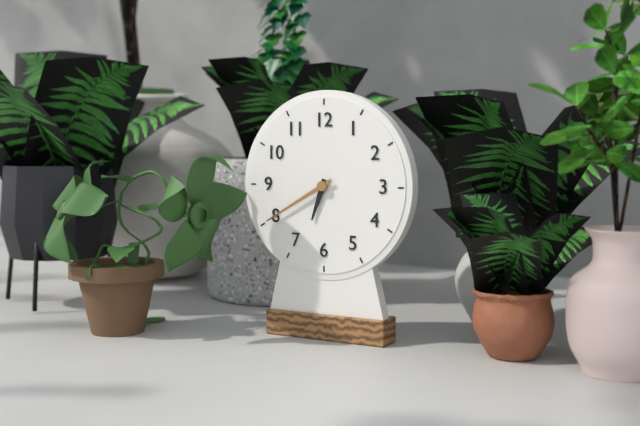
6 h 40 min
